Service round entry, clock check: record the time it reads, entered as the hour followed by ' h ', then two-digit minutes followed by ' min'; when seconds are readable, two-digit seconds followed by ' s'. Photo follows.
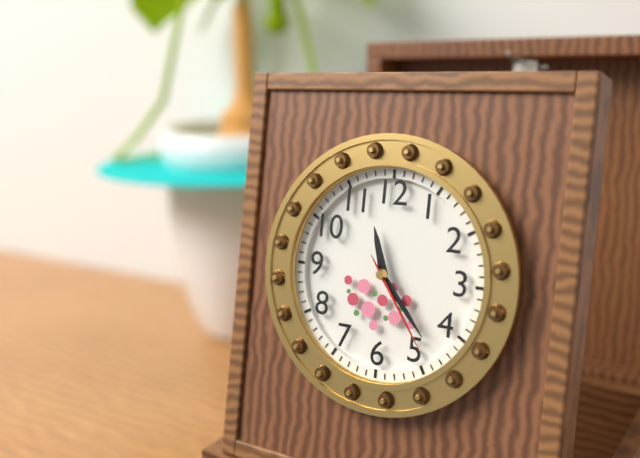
11 h 23 min 24 s
